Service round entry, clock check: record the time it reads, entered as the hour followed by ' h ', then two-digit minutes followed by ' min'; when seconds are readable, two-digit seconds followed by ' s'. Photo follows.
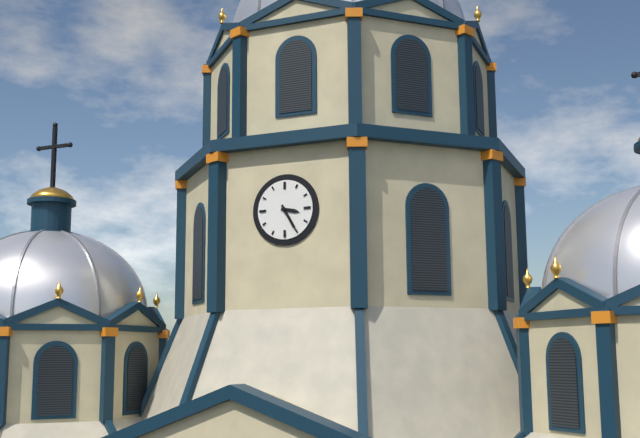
3 h 25 min
